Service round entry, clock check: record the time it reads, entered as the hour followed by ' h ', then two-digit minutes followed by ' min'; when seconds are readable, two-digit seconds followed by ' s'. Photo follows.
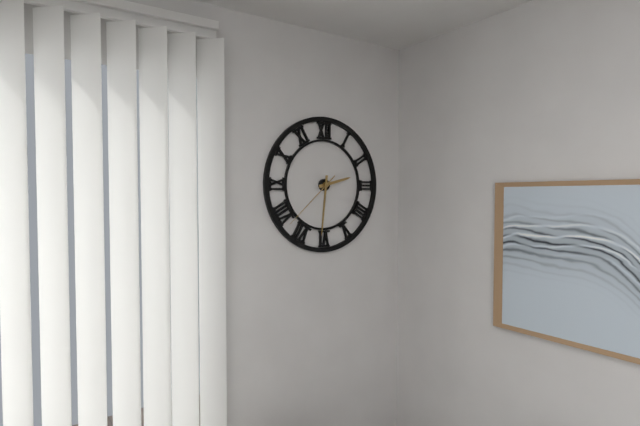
2 h 31 min 38 s
